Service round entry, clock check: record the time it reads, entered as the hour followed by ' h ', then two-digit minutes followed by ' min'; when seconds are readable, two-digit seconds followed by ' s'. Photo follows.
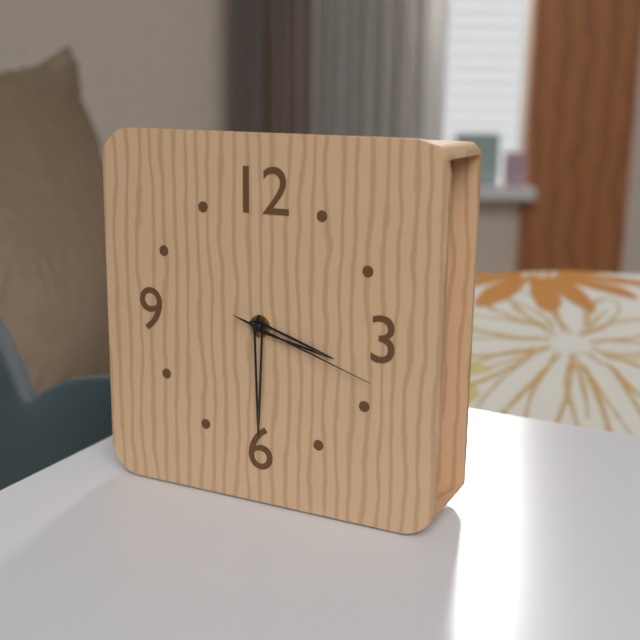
3 h 30 min 18 s
